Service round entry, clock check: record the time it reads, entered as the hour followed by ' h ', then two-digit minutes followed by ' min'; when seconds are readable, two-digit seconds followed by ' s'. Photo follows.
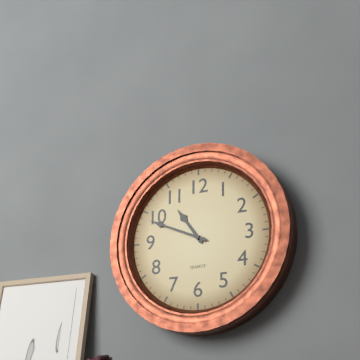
10 h 49 min
